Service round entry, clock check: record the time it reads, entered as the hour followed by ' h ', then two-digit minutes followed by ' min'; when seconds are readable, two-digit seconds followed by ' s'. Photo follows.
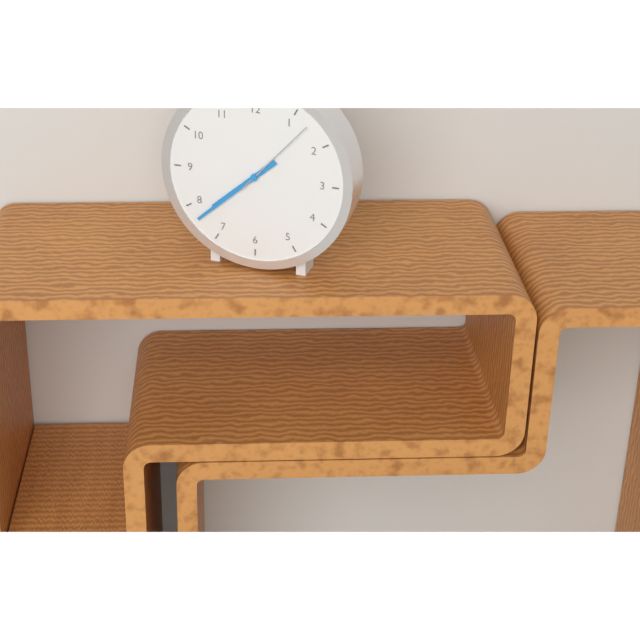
7 h 38 min 07 s
